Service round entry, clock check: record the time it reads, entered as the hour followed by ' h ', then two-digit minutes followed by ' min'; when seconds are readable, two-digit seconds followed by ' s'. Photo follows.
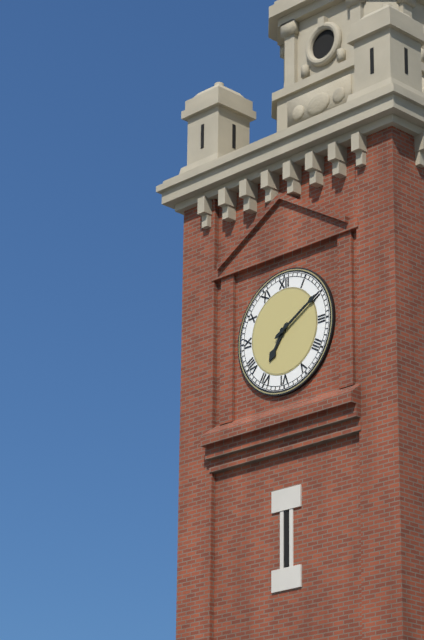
7 h 10 min
